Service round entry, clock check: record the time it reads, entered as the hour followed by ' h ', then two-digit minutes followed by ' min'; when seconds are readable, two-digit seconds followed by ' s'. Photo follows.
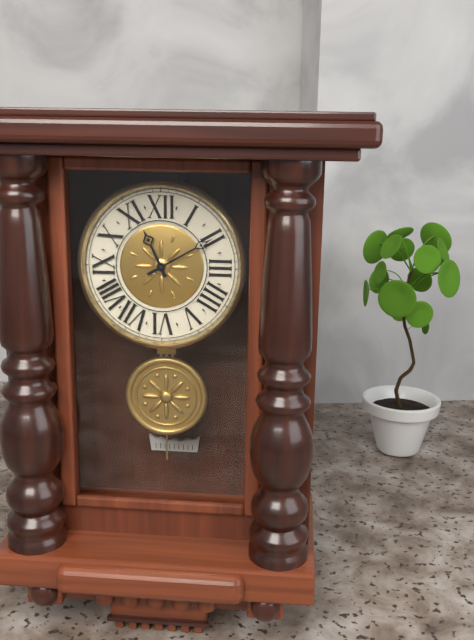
11 h 10 min
